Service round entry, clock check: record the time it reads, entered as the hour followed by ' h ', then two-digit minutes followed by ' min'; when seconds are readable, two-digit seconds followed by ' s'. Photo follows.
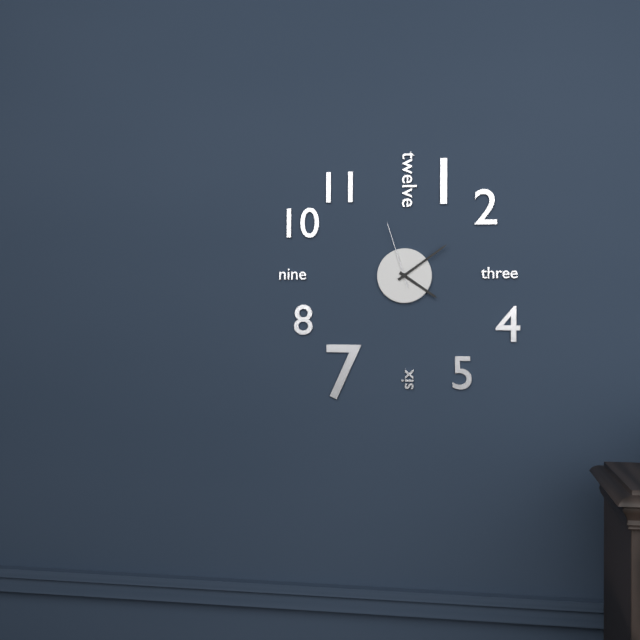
4 h 09 min 57 s
